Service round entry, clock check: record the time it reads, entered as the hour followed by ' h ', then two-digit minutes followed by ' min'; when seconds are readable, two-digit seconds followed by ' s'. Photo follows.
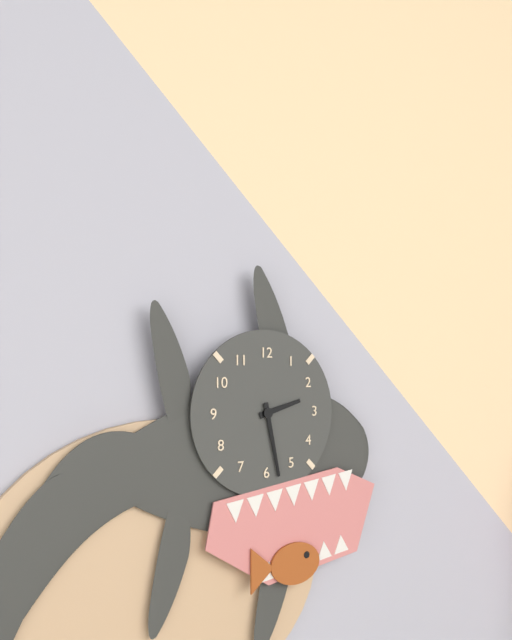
2 h 28 min
